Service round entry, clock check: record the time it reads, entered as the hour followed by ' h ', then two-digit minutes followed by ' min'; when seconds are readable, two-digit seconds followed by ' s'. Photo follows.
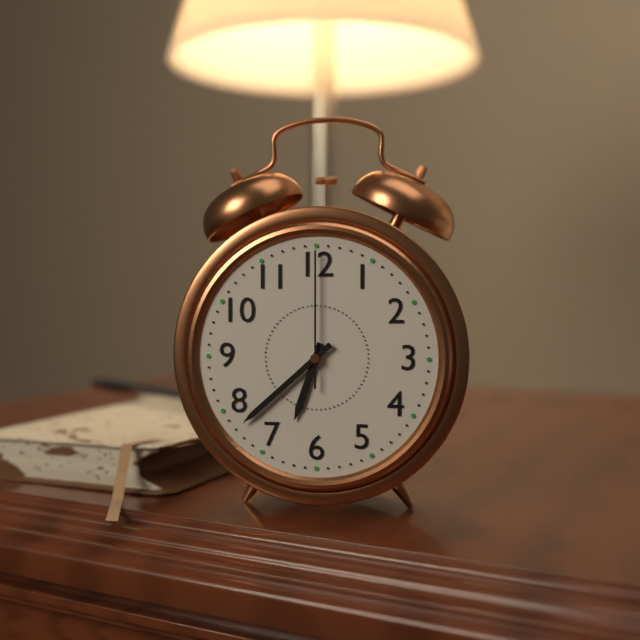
6 h 38 min 00 s
